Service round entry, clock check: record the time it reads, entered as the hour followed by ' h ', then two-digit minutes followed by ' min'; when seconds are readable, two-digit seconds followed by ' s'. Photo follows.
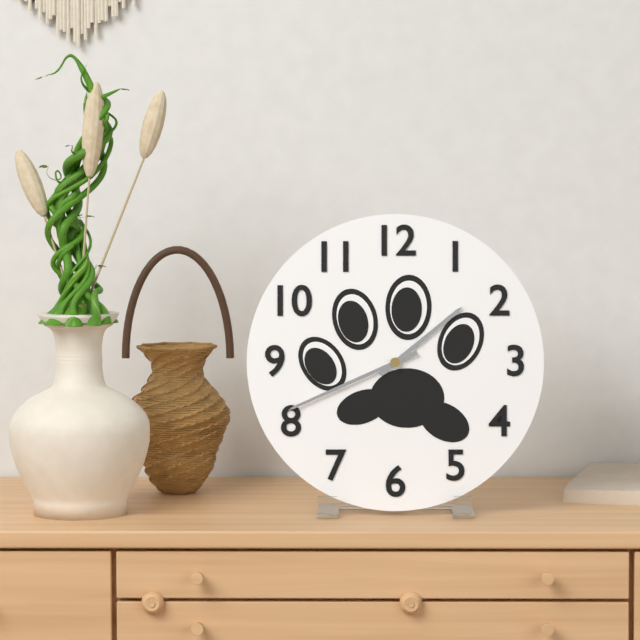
1 h 41 min
